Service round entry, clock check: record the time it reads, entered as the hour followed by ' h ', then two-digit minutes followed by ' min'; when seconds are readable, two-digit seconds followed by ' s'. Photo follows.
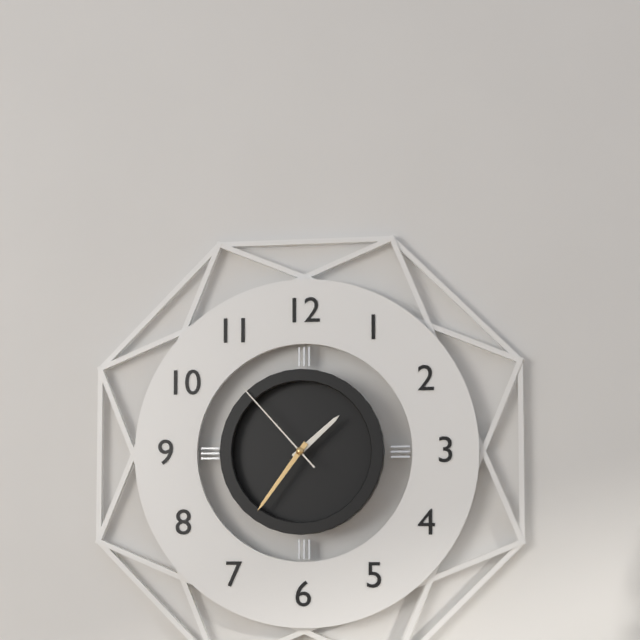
1 h 36 min 53 s
